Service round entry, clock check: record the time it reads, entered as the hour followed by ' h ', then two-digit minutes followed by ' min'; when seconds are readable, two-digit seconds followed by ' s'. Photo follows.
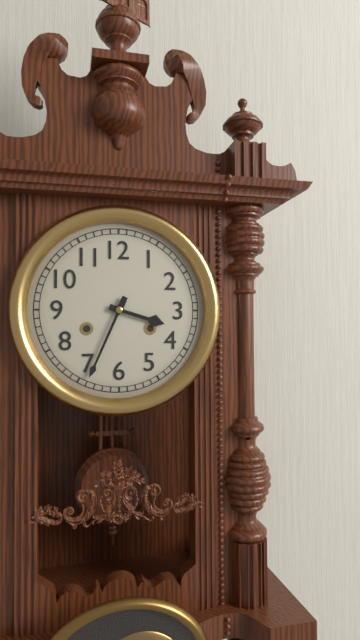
3 h 34 min
